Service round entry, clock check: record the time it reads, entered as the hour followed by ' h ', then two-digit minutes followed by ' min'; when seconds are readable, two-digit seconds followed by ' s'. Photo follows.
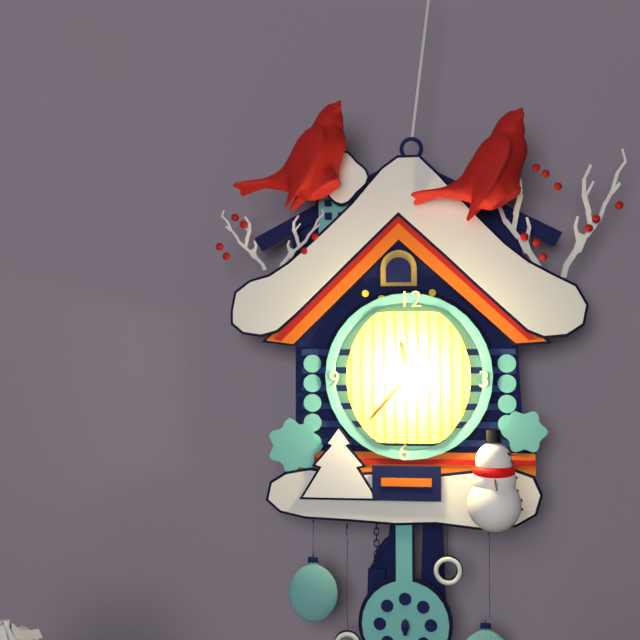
11 h 37 min
